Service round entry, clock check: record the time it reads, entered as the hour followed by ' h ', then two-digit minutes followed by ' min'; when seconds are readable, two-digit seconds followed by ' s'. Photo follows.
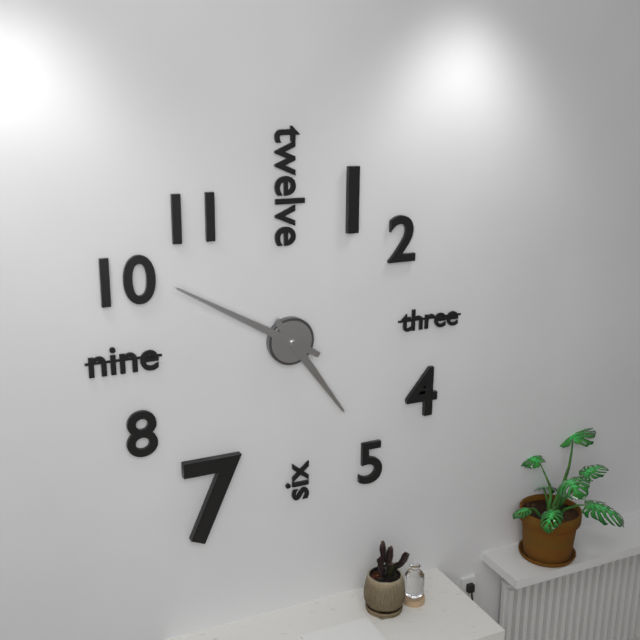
4 h 50 min
